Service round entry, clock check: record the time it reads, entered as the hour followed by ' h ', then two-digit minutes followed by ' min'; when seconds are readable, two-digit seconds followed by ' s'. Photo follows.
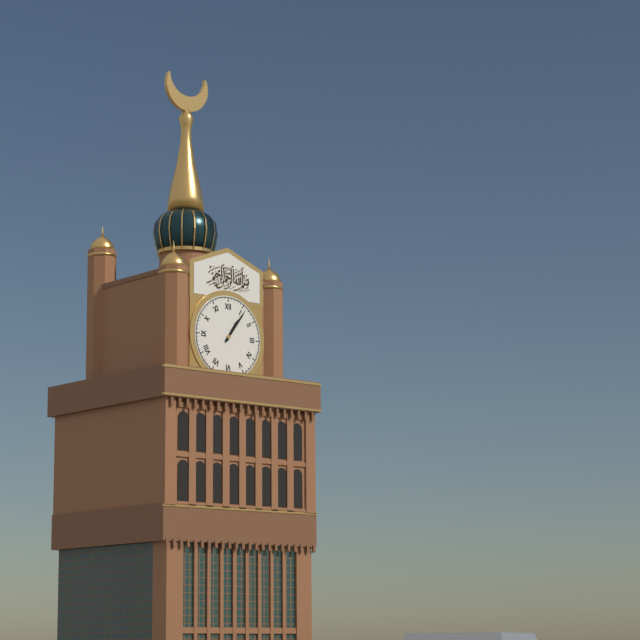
1 h 06 min
